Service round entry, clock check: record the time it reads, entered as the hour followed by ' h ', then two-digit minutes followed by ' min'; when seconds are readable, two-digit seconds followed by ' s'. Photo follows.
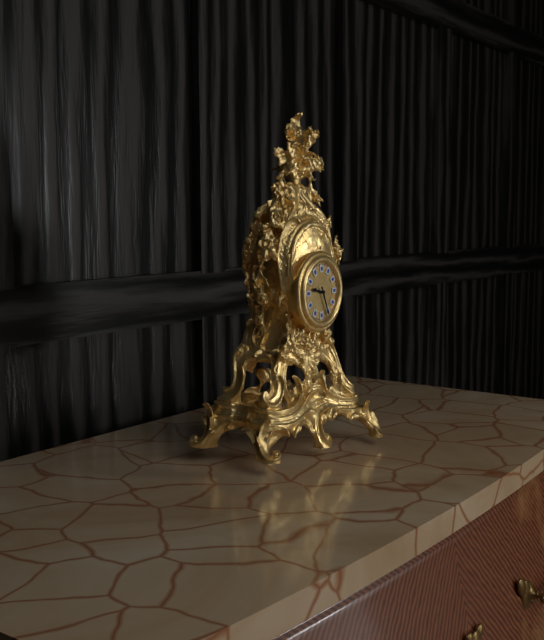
9 h 26 min
